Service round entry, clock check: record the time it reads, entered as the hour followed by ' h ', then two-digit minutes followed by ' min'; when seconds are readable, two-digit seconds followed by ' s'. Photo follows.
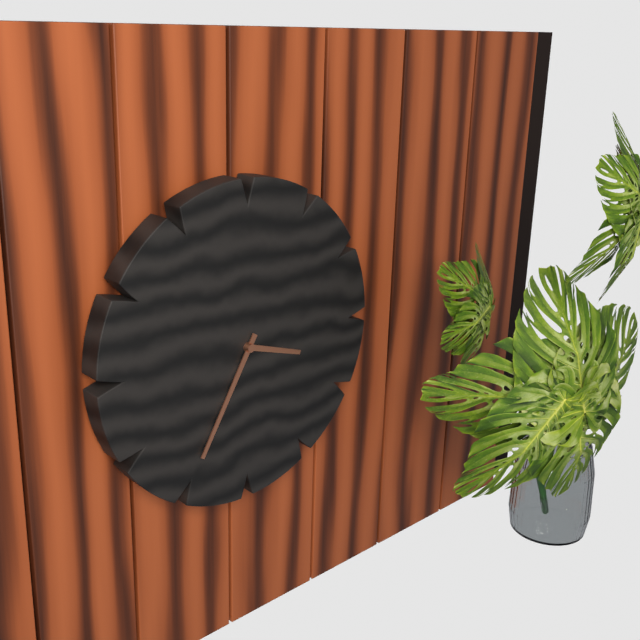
3 h 35 min
